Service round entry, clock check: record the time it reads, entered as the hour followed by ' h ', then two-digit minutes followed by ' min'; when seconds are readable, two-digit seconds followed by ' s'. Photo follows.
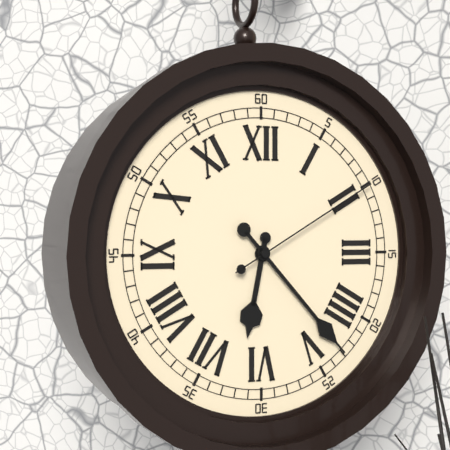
6 h 23 min 10 s
